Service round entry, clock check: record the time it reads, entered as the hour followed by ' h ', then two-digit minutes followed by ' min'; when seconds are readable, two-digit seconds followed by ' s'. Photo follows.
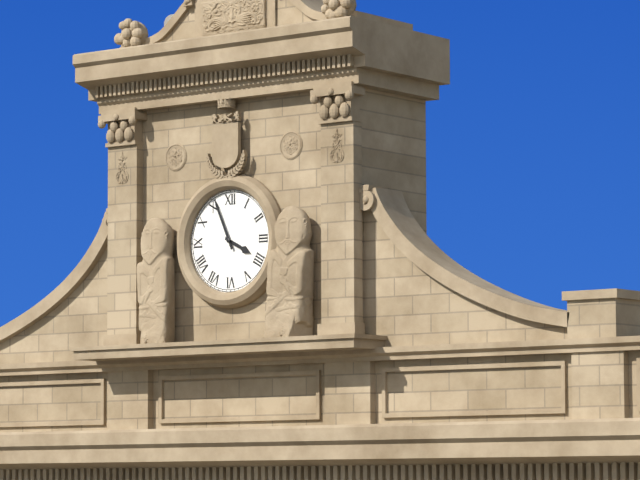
3 h 56 min
